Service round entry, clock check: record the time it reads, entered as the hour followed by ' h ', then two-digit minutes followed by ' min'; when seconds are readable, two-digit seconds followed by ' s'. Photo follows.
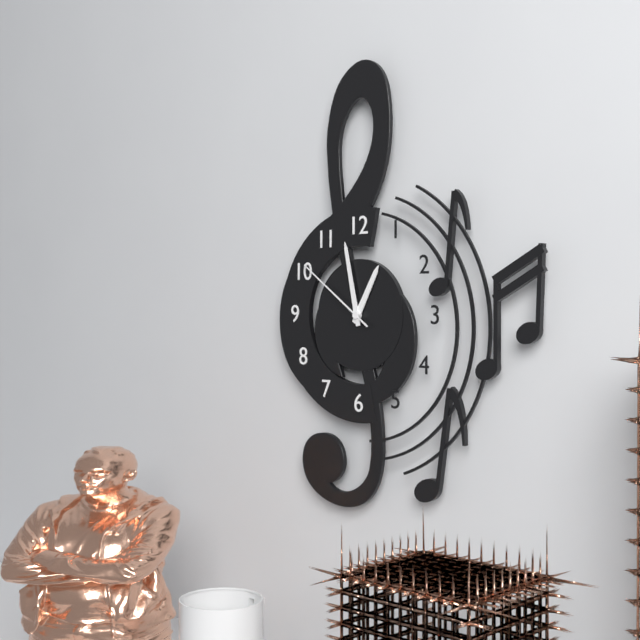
12 h 58 min 51 s
